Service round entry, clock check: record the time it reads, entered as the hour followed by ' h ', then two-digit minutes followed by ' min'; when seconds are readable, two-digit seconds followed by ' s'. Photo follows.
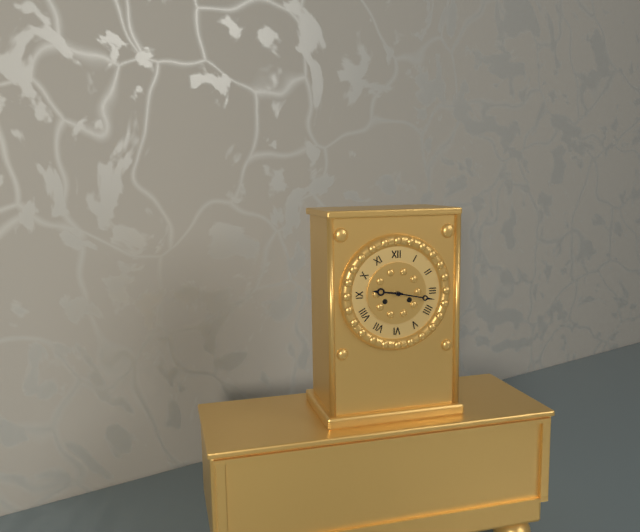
9 h 17 min
